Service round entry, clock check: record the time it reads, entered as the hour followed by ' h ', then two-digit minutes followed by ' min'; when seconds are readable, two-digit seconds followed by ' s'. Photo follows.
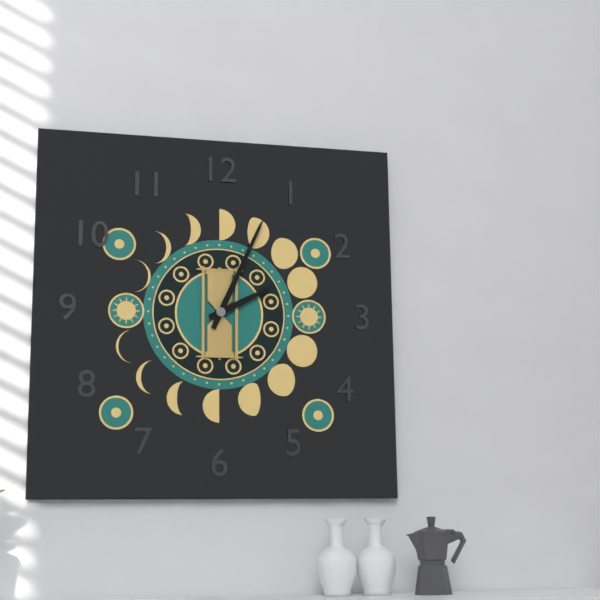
2 h 04 min
